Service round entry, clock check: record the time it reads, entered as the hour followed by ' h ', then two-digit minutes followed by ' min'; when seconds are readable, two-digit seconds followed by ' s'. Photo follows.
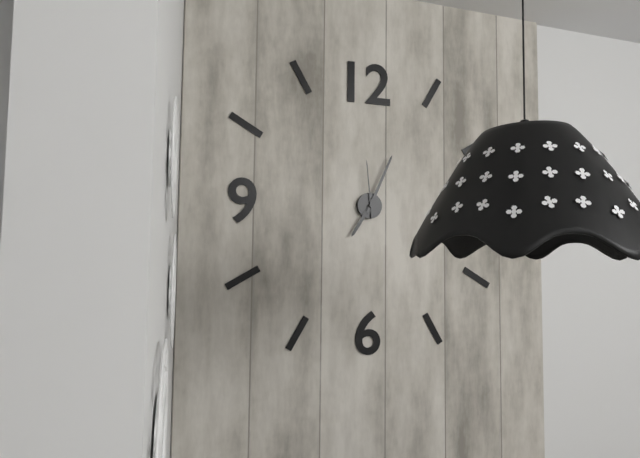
7 h 04 min 59 s
